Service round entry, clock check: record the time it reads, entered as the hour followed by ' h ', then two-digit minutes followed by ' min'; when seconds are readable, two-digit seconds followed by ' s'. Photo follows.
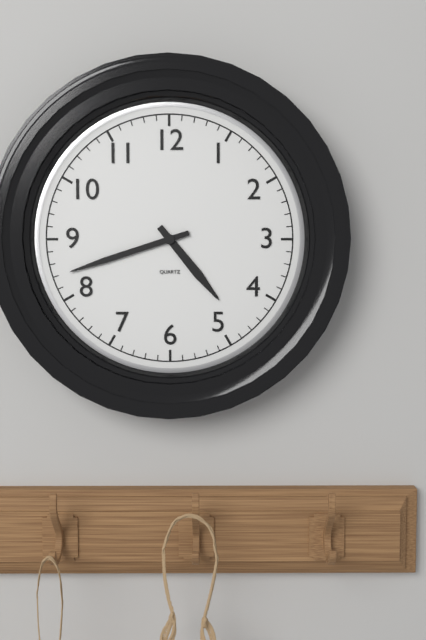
4 h 42 min
